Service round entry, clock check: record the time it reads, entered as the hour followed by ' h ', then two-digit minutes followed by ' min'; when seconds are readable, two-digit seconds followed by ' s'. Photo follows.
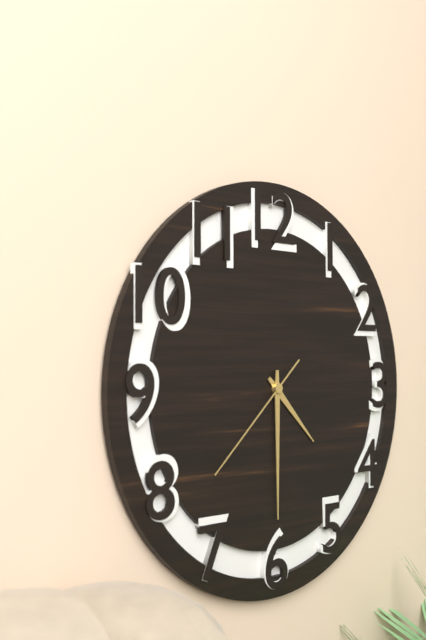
4 h 30 min 38 s
